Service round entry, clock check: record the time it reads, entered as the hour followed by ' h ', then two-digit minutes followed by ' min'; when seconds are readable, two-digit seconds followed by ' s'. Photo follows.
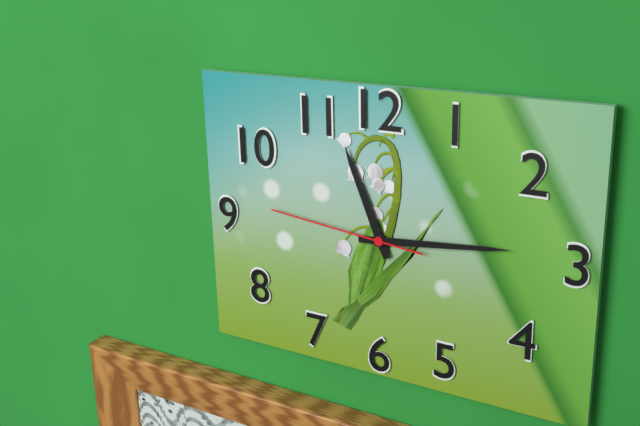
11 h 14 min 46 s
